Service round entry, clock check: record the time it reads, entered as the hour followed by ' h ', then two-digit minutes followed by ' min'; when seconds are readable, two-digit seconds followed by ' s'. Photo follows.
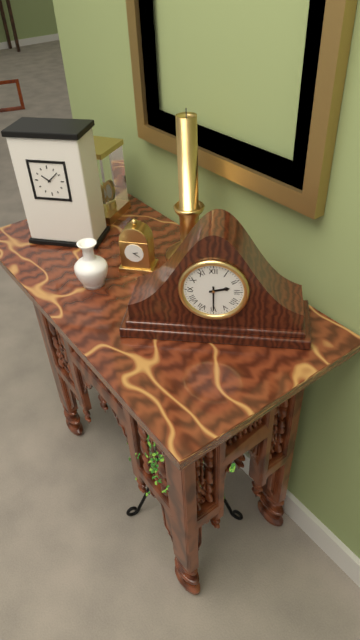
2 h 30 min
